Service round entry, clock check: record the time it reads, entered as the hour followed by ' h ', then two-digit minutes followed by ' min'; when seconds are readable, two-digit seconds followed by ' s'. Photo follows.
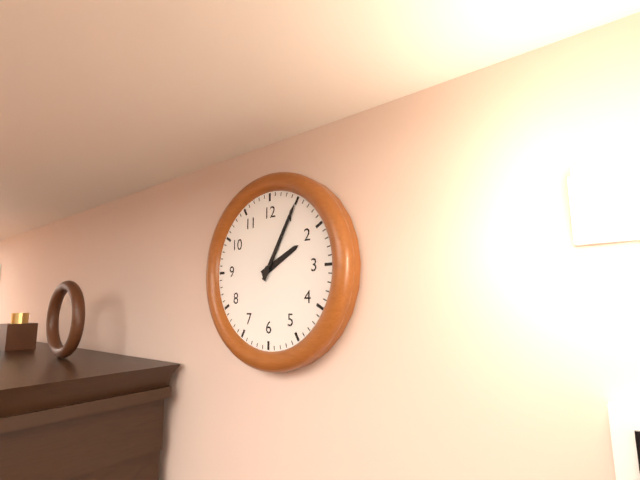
2 h 05 min
